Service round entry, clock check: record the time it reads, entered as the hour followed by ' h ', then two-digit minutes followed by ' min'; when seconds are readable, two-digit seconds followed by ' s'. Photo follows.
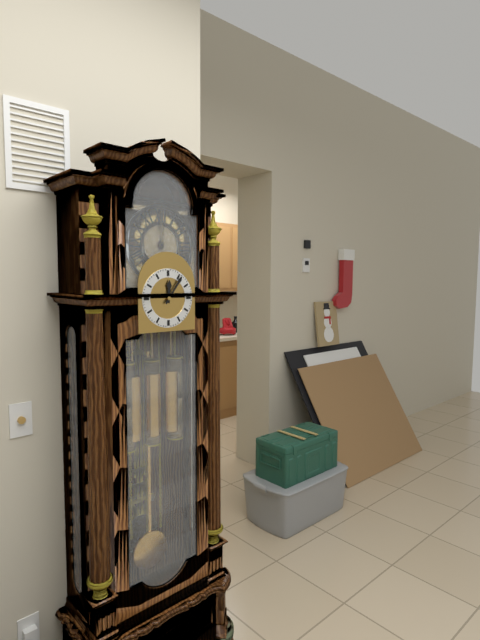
12 h 06 min
